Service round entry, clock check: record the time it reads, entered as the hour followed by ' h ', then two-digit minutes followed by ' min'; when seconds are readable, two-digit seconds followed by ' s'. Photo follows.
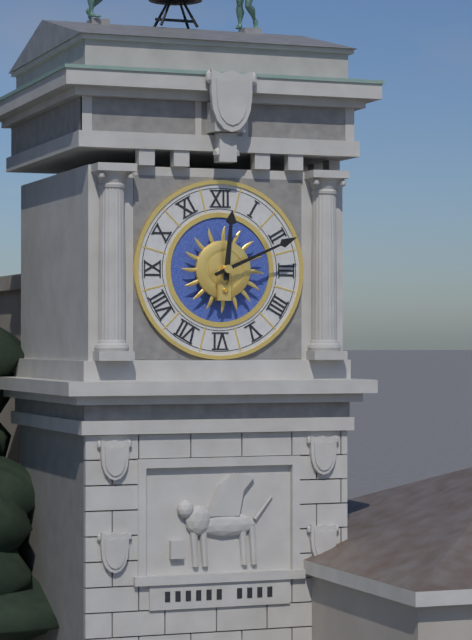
12 h 11 min
